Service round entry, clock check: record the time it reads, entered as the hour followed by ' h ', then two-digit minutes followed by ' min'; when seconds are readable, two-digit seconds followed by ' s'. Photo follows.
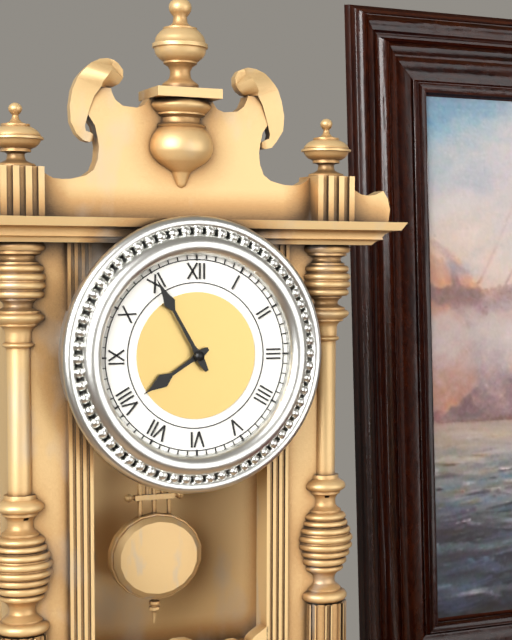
7 h 55 min
